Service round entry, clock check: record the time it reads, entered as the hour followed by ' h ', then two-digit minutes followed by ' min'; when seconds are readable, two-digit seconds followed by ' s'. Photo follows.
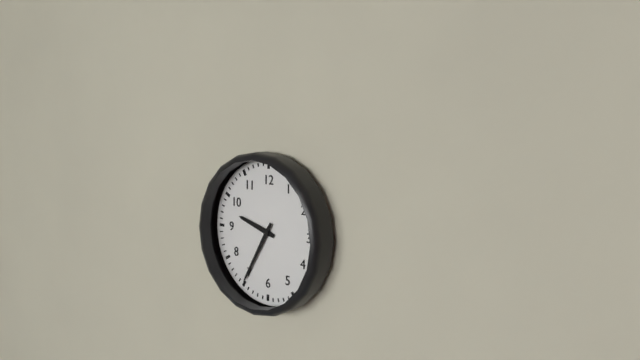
9 h 35 min
